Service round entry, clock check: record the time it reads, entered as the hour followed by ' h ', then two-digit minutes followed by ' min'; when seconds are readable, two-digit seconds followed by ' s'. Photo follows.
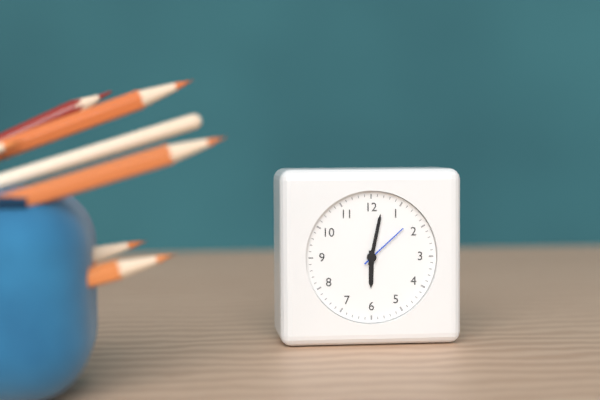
6 h 02 min 08 s
